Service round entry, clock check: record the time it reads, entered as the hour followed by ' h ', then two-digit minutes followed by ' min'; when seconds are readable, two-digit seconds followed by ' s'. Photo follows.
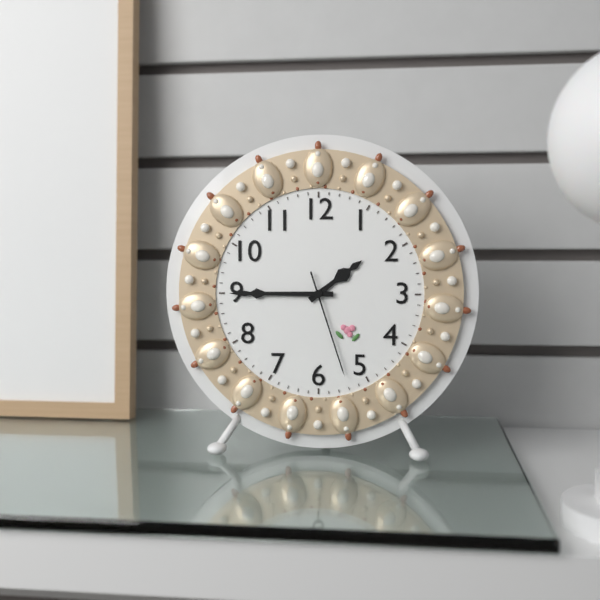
1 h 45 min 27 s
